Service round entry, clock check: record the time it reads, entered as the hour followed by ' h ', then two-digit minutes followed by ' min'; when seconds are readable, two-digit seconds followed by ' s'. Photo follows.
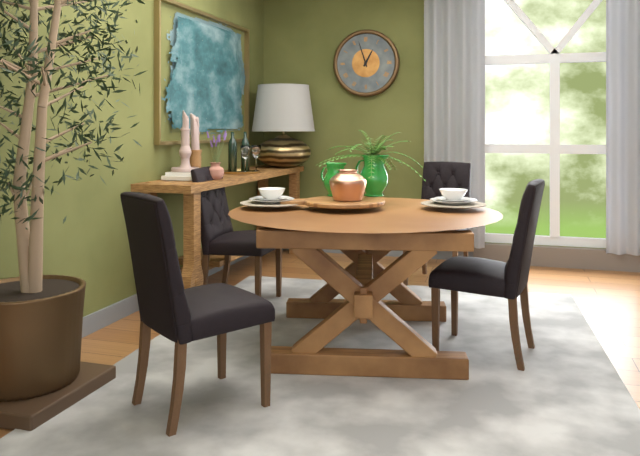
12 h 57 min
